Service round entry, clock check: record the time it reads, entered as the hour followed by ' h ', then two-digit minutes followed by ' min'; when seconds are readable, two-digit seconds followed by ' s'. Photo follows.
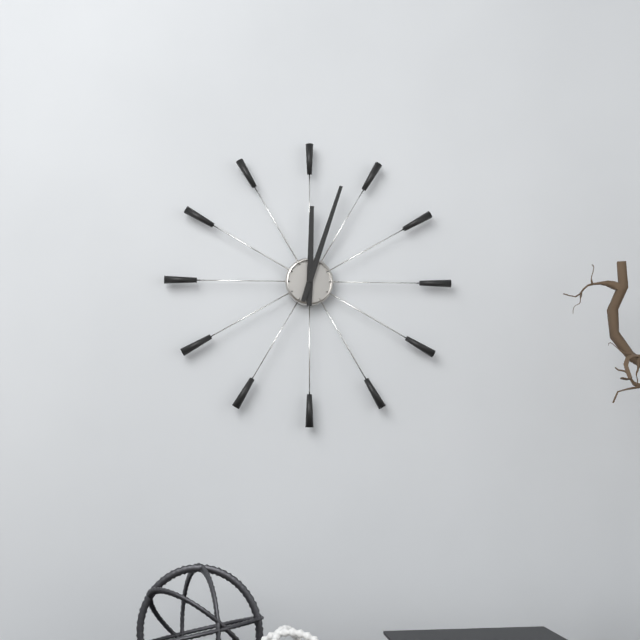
12 h 03 min
